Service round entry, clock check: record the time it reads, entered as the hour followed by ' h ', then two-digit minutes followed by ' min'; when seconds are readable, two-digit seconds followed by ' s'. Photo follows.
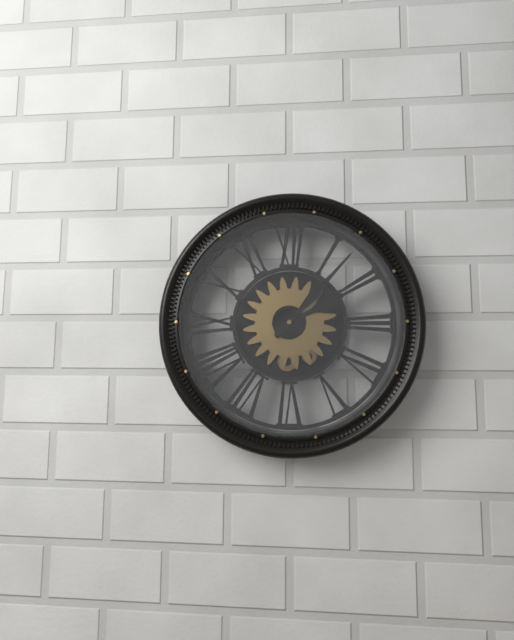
2 h 07 min
